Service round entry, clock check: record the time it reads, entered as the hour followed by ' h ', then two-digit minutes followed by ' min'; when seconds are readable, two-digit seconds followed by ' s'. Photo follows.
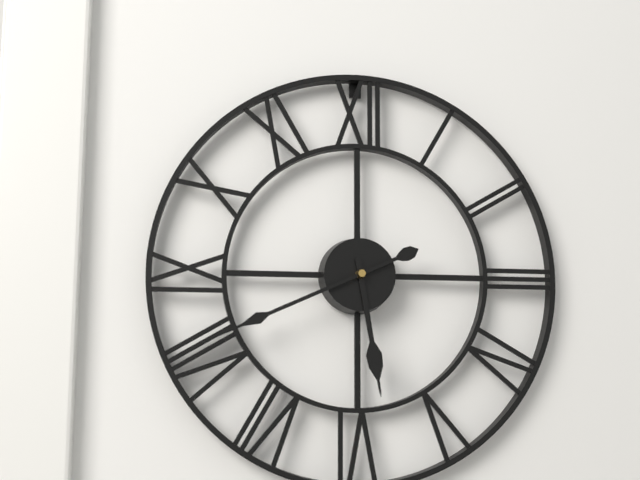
5 h 41 min
